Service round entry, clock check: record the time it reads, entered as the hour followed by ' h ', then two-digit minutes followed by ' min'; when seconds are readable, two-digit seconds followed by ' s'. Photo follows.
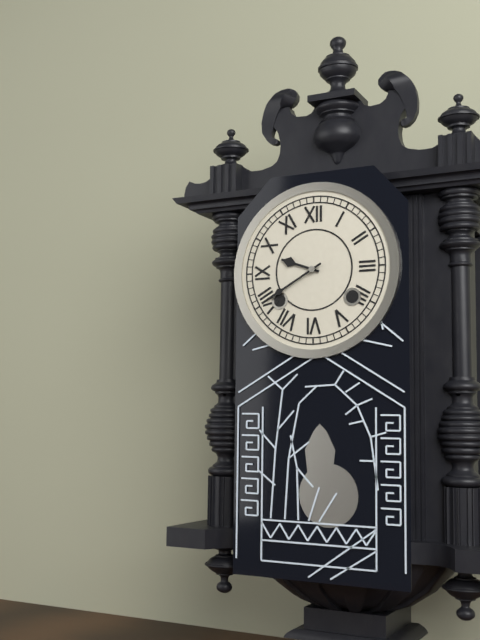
9 h 40 min
